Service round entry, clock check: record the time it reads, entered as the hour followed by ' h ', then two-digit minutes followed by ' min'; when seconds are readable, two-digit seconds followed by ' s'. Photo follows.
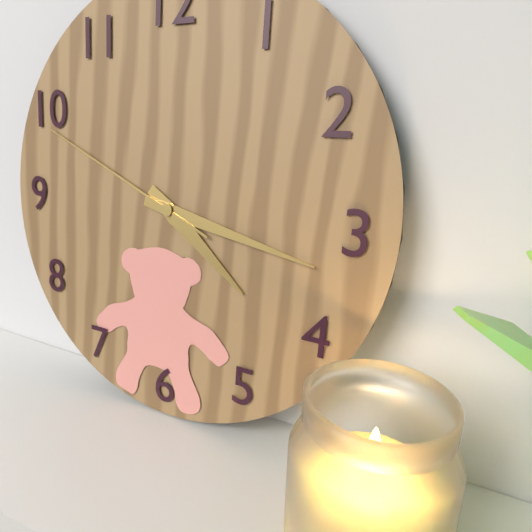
4 h 17 min 49 s
